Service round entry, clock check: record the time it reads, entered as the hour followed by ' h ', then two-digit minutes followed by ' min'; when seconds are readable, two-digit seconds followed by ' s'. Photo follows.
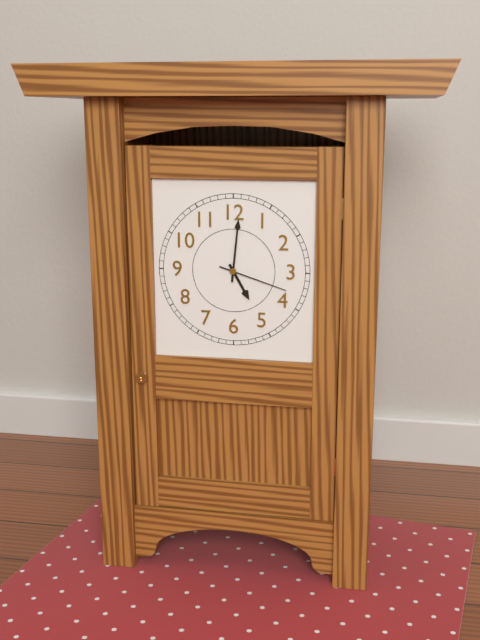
5 h 01 min 18 s
